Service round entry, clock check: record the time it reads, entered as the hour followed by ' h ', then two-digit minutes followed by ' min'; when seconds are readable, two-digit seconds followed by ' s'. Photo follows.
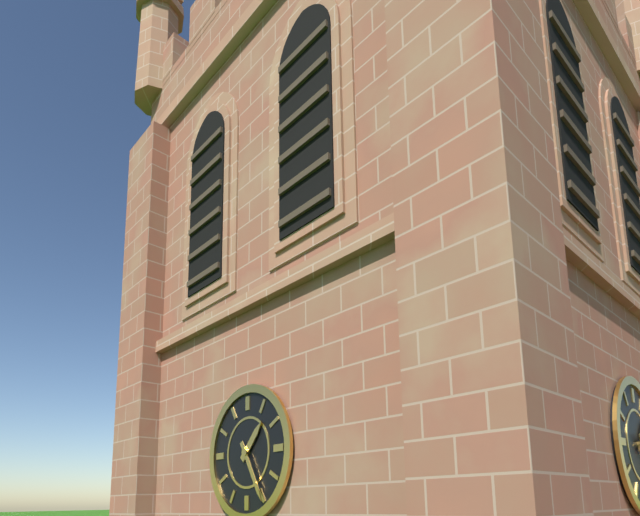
1 h 25 min
